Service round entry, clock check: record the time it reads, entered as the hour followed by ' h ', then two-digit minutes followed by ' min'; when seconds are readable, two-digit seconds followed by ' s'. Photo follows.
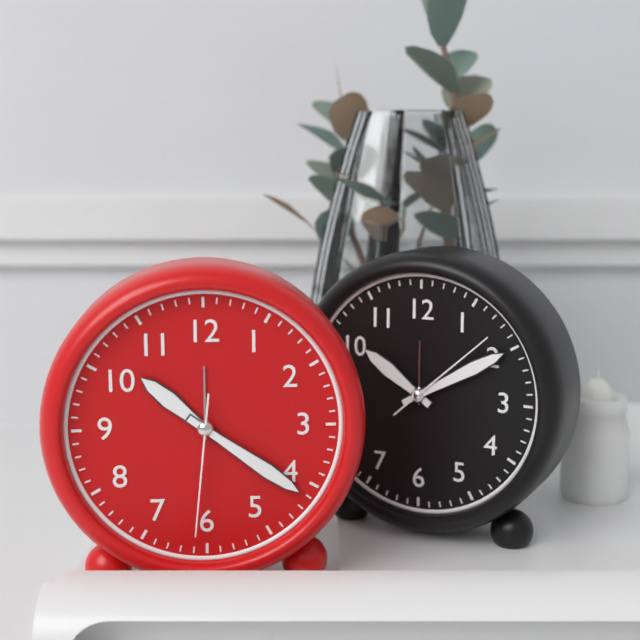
10 h 21 min 31 s
